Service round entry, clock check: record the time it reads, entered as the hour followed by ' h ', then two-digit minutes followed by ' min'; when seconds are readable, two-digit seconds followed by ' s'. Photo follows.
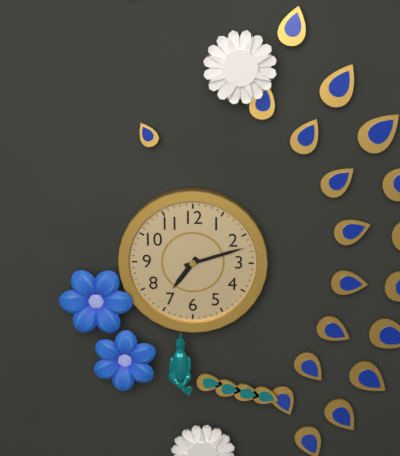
7 h 12 min
